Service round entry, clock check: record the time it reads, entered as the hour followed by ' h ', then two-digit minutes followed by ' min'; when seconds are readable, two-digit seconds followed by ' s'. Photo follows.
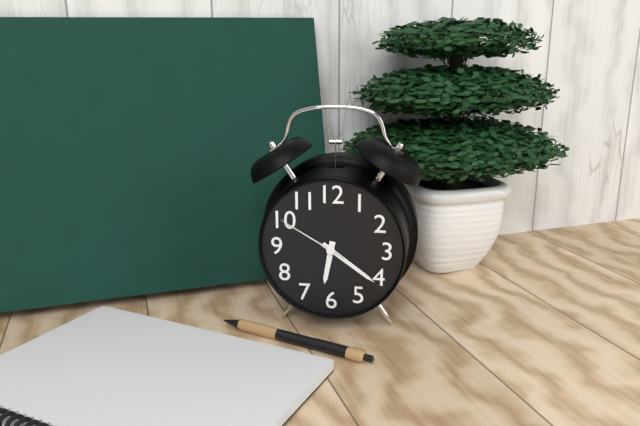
6 h 21 min 50 s
